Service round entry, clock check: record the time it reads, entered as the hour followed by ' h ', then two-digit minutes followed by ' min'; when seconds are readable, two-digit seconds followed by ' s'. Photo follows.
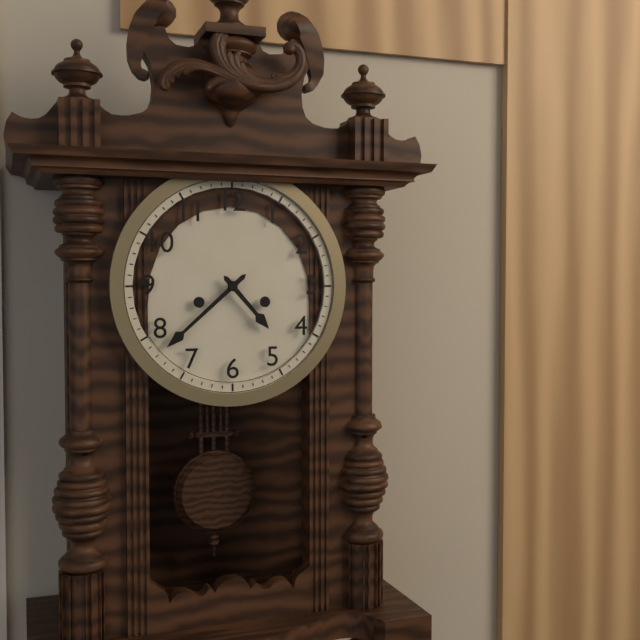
4 h 38 min
